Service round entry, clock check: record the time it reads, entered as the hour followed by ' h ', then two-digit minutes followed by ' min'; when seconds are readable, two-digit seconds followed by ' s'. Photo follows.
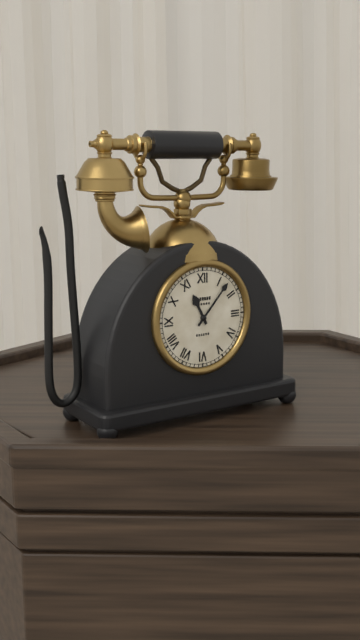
11 h 07 min
